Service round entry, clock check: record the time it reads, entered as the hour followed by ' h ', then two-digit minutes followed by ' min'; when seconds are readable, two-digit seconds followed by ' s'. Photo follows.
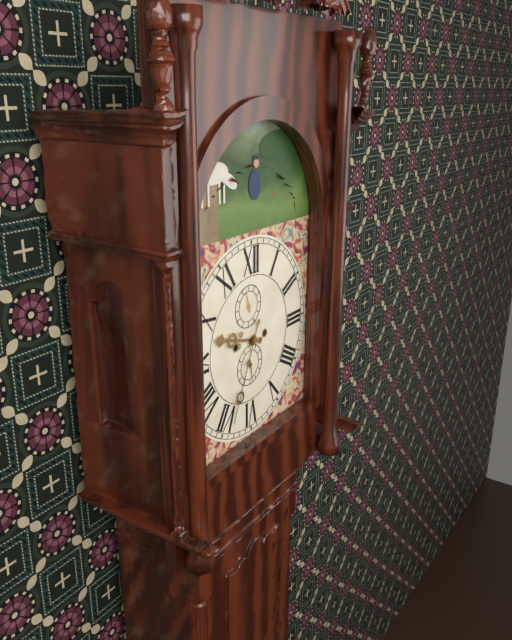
9 h 34 min
